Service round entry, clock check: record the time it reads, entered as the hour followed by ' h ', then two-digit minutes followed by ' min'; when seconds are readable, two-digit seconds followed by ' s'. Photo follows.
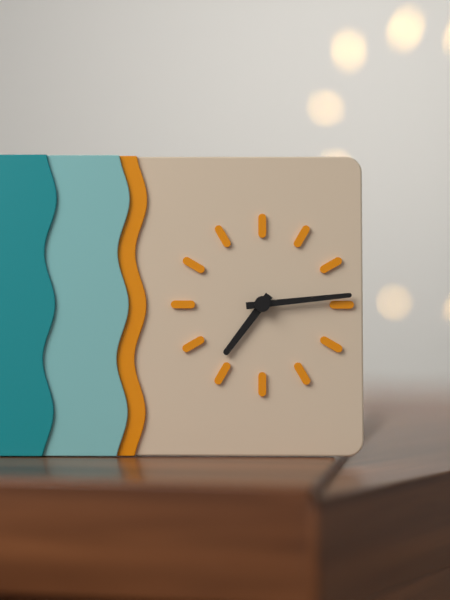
7 h 14 min
